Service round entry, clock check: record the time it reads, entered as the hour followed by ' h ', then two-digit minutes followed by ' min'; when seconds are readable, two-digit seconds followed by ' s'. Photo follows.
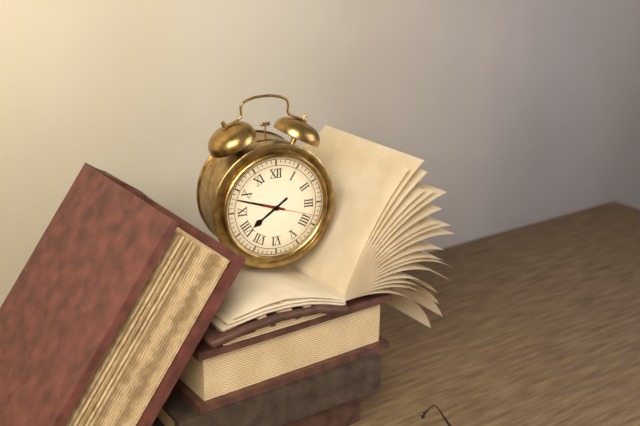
7 h 48 min 18 s
